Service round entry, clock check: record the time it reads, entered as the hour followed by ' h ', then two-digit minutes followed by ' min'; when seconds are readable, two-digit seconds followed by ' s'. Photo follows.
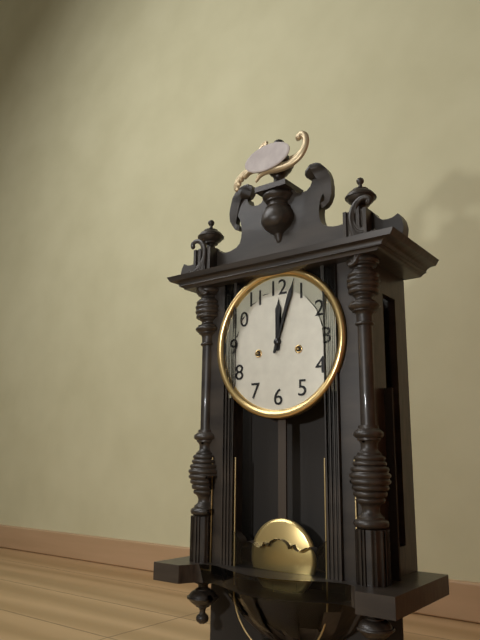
12 h 03 min
